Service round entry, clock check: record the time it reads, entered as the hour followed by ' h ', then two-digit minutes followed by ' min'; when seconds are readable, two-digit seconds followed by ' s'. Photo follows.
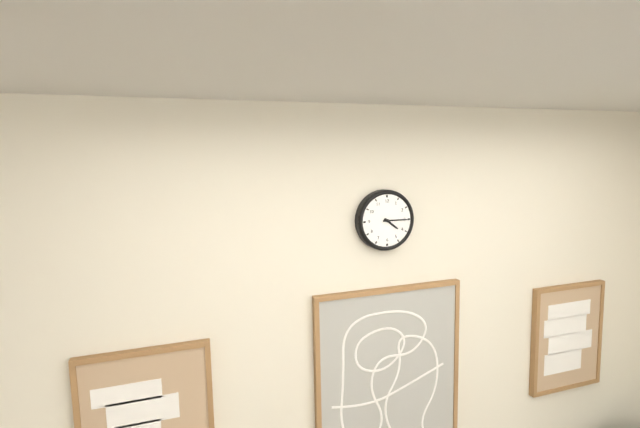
4 h 15 min
